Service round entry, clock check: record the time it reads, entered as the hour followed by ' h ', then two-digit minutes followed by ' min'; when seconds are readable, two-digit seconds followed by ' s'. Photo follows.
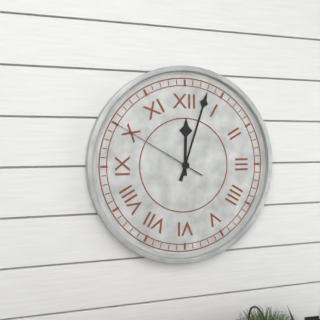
12 h 03 min 50 s
